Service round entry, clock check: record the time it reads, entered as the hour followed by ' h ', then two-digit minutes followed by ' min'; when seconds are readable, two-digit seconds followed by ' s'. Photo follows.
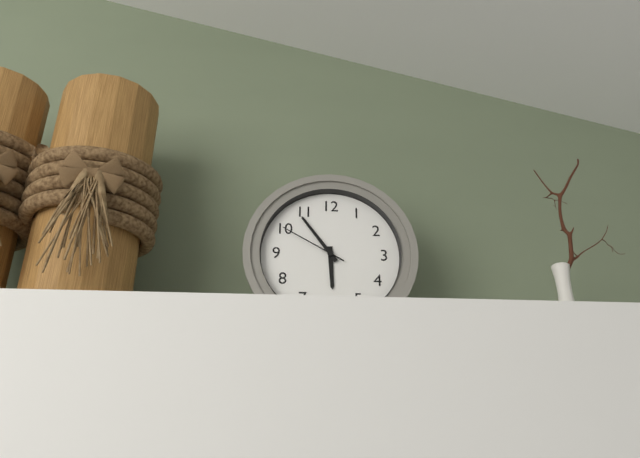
5 h 54 min 50 s
